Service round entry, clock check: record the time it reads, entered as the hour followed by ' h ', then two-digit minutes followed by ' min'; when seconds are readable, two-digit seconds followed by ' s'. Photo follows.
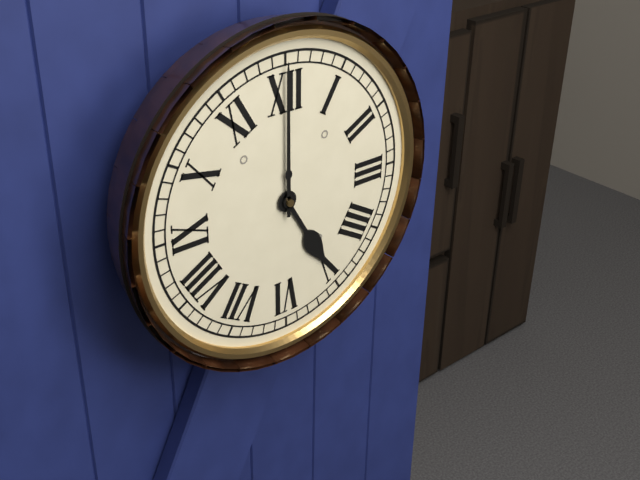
5 h 00 min
